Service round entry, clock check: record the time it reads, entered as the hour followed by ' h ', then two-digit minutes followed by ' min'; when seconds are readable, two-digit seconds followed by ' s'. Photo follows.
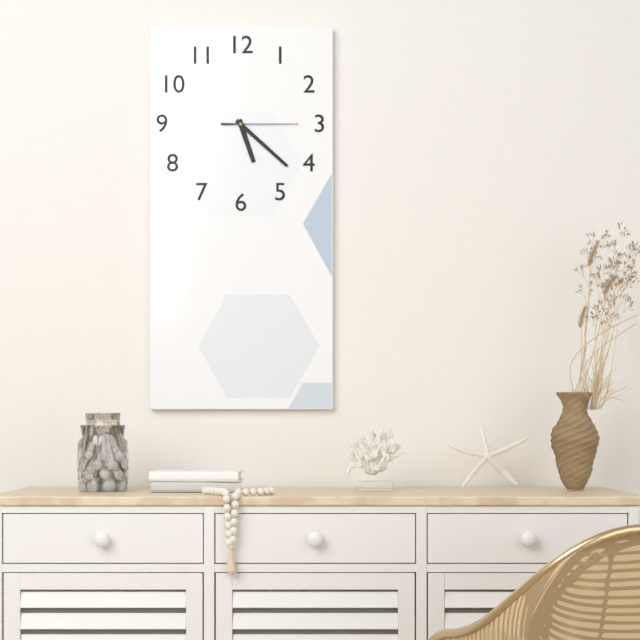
5 h 22 min 15 s
